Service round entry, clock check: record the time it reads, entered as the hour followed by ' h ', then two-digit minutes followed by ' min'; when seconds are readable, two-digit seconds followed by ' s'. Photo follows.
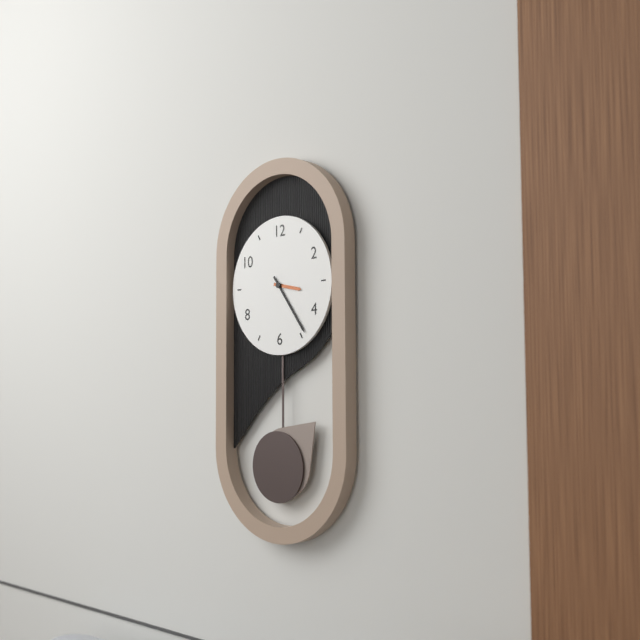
3 h 24 min
